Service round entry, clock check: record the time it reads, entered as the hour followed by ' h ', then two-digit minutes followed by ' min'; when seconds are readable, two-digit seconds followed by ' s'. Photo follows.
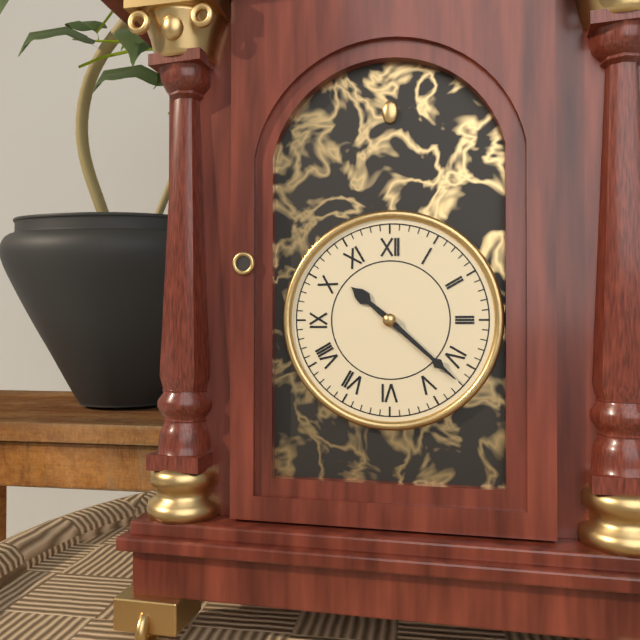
10 h 22 min
